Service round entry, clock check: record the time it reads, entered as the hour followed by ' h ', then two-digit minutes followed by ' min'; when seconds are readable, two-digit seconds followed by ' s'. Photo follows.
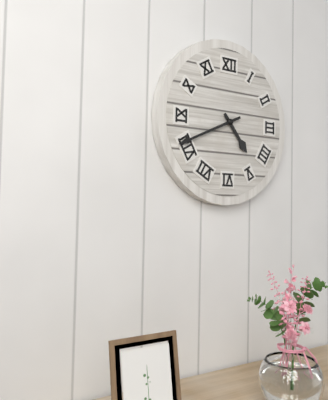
4 h 41 min
